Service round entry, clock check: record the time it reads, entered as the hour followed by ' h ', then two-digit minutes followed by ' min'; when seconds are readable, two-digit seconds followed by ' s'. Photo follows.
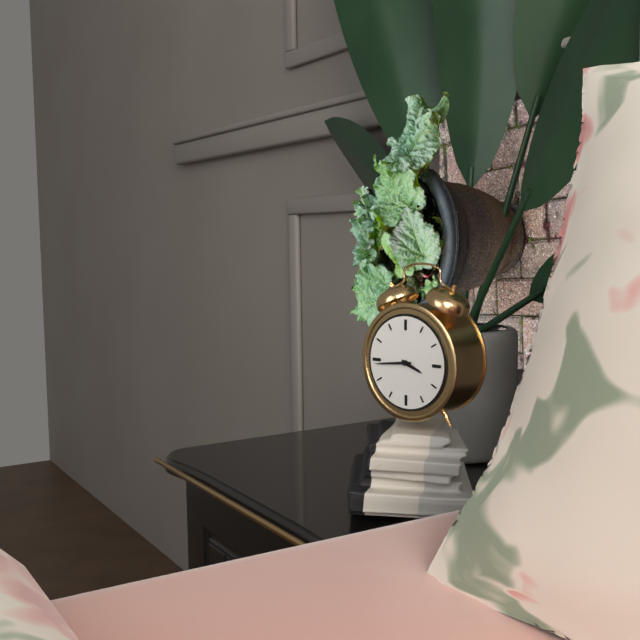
3 h 44 min
